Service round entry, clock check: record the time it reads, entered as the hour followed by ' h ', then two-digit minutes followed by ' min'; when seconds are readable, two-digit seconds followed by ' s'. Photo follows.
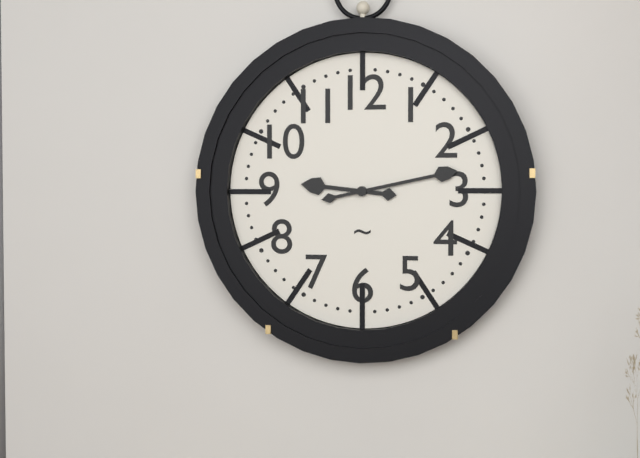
9 h 13 min
